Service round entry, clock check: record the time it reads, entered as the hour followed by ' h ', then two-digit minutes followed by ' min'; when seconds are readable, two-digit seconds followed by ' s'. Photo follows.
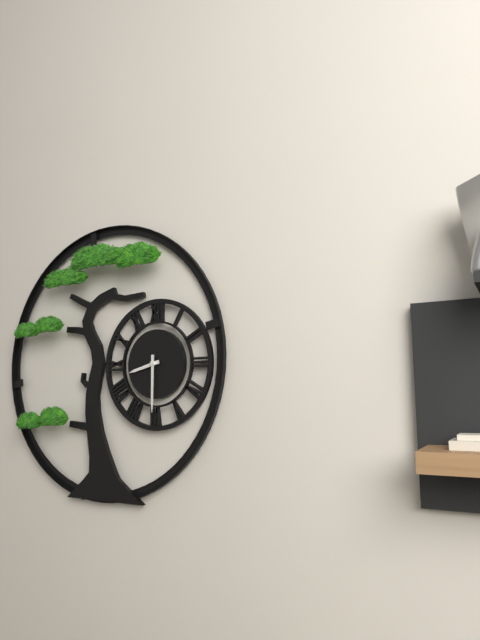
8 h 30 min
